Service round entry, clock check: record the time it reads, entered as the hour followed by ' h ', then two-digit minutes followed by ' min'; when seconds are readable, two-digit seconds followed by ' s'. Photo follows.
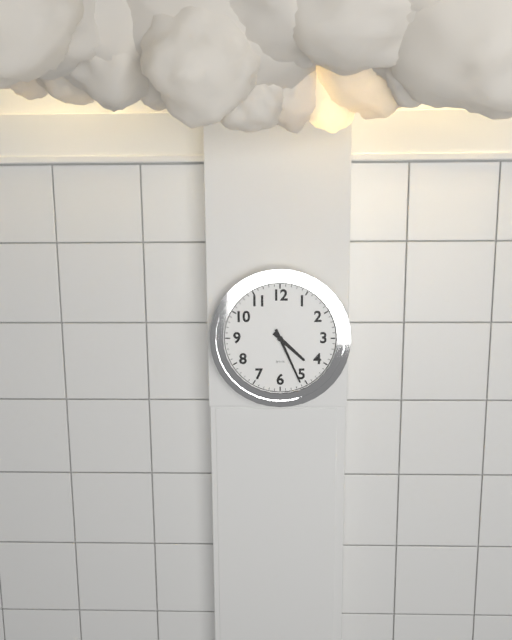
4 h 26 min
